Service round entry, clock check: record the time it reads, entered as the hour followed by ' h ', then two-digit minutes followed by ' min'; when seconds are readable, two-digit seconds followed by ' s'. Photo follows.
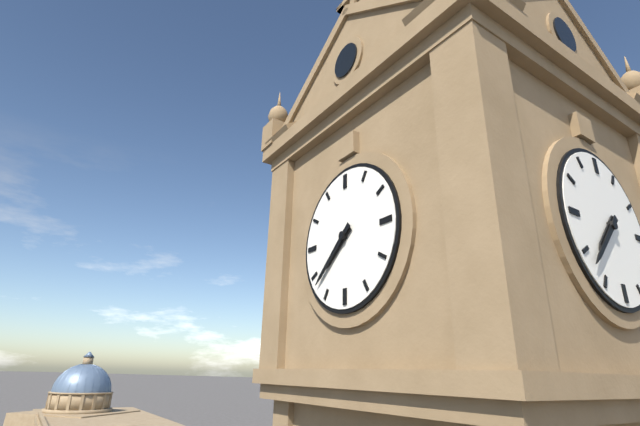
7 h 38 min
